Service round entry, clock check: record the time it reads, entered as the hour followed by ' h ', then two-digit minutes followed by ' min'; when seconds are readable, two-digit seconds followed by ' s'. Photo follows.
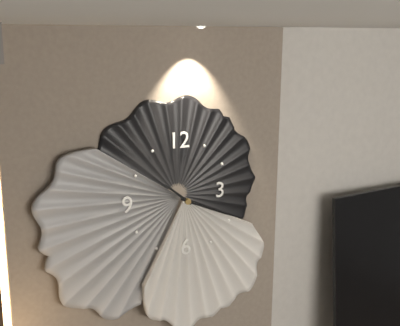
10 h 19 min
